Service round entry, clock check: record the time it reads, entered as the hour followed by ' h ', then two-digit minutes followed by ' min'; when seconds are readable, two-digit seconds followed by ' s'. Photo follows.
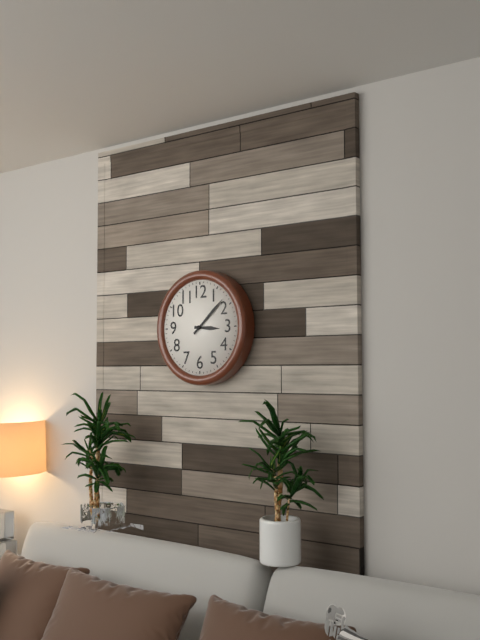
3 h 08 min
